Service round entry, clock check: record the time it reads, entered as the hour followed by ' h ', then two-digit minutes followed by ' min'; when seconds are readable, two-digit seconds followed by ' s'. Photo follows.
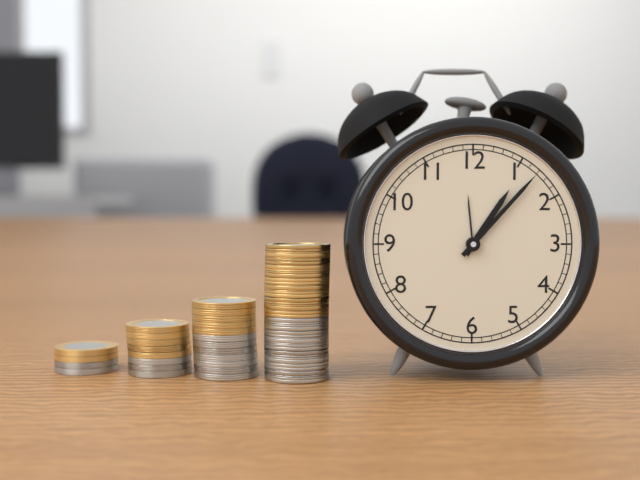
1 h 07 min
